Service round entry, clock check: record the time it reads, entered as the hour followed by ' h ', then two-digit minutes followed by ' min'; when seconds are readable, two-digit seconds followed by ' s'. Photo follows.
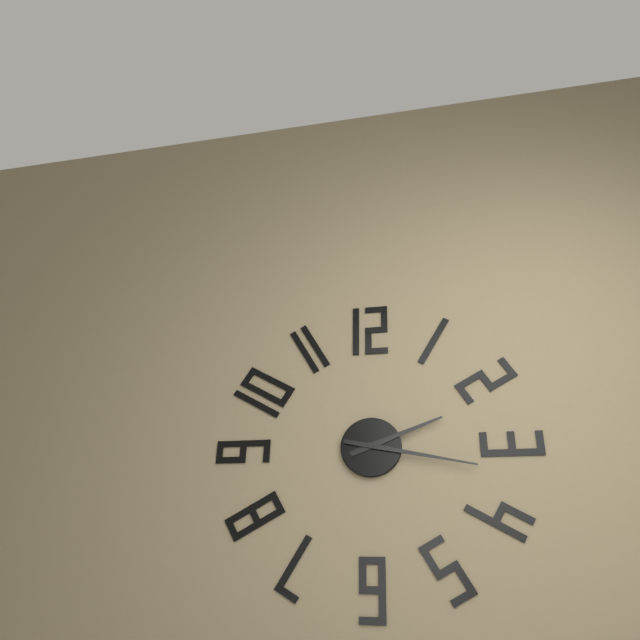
2 h 17 min
